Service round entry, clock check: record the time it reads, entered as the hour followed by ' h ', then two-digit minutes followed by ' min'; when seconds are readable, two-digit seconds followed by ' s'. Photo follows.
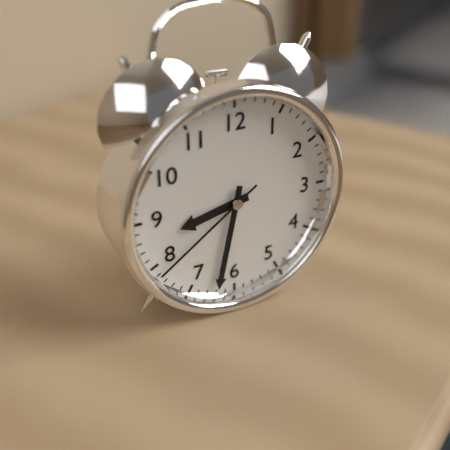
8 h 32 min 39 s
